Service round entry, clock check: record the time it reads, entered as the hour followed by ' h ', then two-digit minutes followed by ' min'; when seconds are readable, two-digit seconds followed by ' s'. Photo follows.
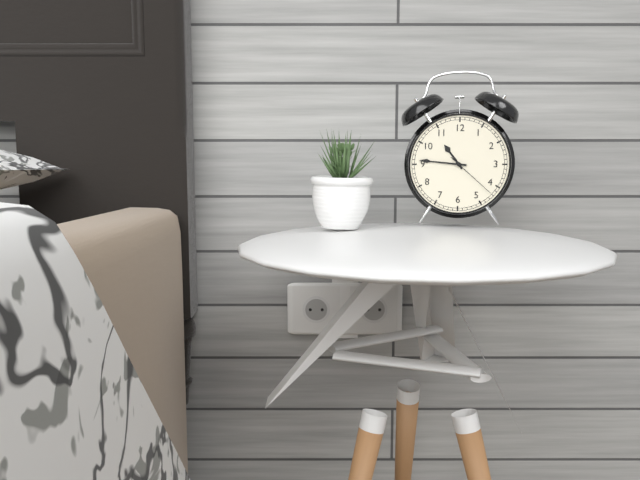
10 h 46 min 22 s
